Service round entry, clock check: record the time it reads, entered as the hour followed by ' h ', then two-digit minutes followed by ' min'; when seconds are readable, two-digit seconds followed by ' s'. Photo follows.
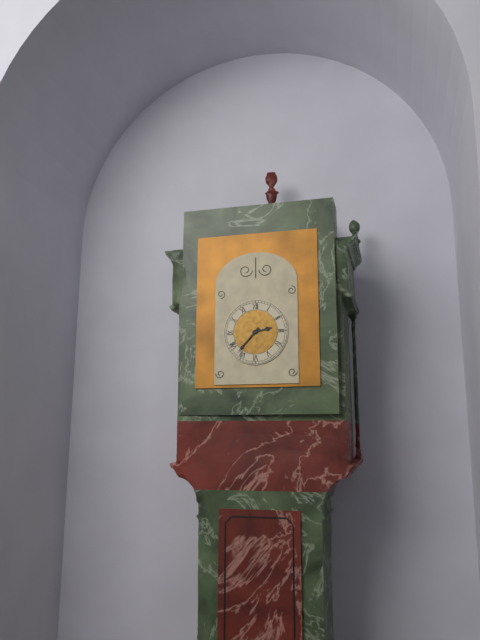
2 h 37 min
